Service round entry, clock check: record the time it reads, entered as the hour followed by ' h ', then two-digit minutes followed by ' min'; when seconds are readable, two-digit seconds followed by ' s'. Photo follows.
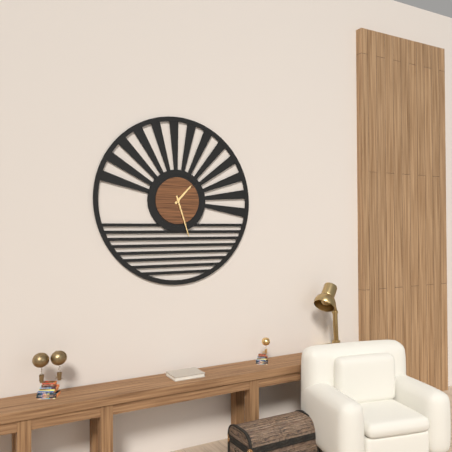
1 h 27 min
